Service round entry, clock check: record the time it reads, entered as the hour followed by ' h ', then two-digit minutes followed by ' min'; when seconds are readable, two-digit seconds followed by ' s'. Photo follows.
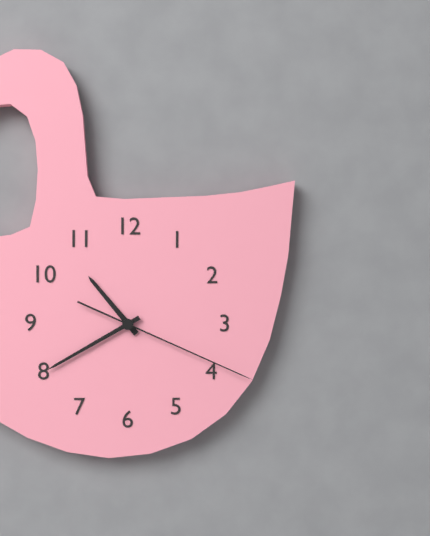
10 h 40 min 19 s
